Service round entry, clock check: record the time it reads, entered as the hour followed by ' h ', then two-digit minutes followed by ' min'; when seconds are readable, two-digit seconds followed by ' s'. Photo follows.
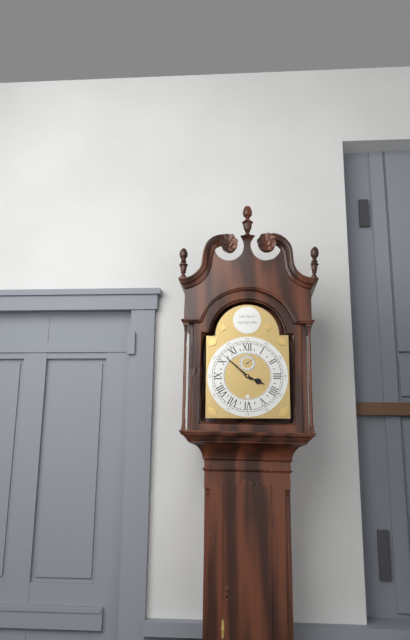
3 h 52 min
